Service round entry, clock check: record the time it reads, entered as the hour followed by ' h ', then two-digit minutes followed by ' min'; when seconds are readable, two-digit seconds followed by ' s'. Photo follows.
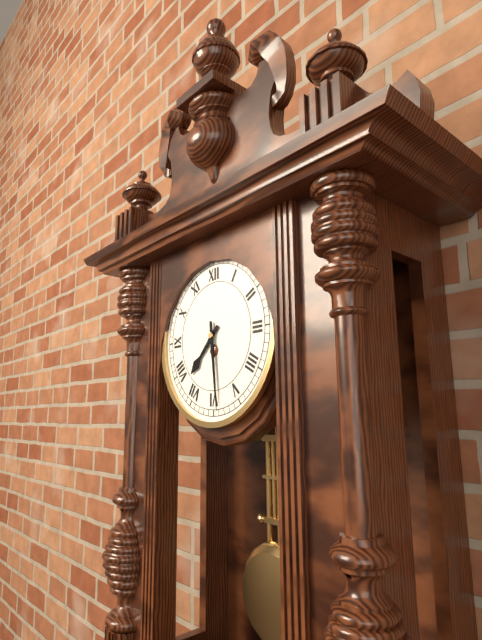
7 h 29 min
